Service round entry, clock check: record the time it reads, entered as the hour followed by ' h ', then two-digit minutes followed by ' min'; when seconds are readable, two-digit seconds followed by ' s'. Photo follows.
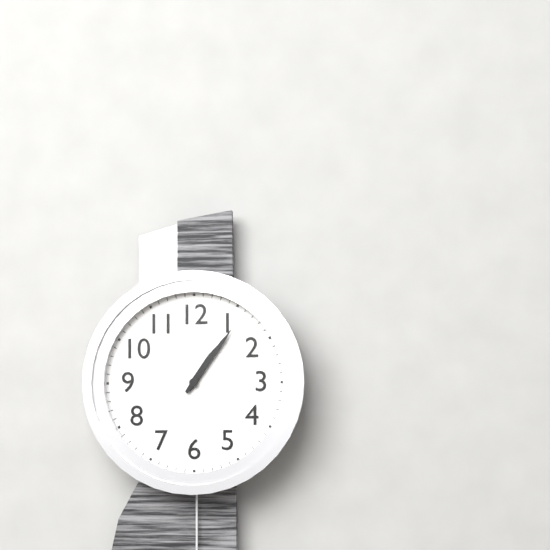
1 h 06 min
